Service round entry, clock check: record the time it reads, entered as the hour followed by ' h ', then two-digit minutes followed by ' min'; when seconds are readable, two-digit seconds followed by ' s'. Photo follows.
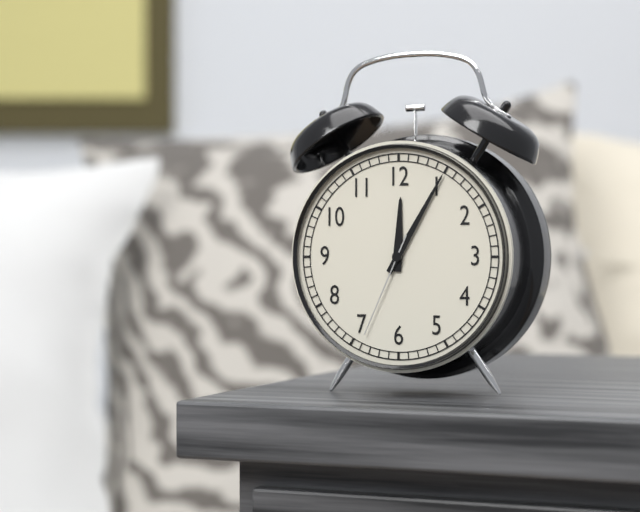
12 h 05 min 34 s
